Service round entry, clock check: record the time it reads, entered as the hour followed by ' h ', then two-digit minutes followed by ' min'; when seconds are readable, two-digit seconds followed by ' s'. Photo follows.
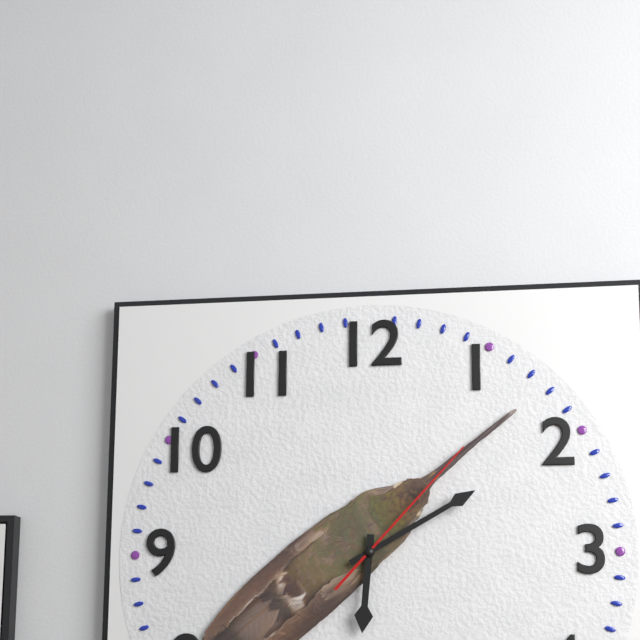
6 h 10 min 07 s
